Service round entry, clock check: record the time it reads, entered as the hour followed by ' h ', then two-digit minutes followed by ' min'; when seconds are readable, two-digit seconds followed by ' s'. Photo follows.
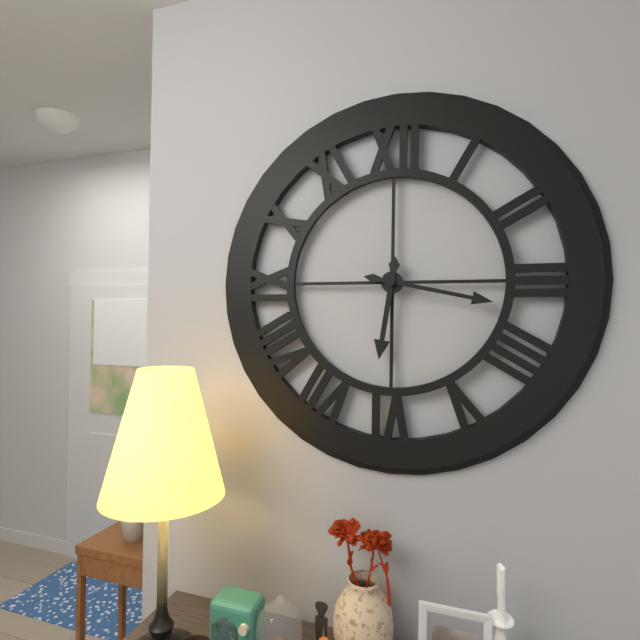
6 h 17 min
